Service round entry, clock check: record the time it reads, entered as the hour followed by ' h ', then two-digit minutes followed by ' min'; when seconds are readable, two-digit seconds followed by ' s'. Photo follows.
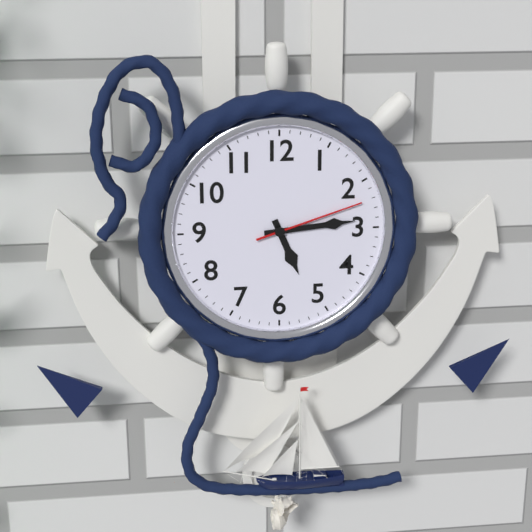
5 h 14 min 12 s
